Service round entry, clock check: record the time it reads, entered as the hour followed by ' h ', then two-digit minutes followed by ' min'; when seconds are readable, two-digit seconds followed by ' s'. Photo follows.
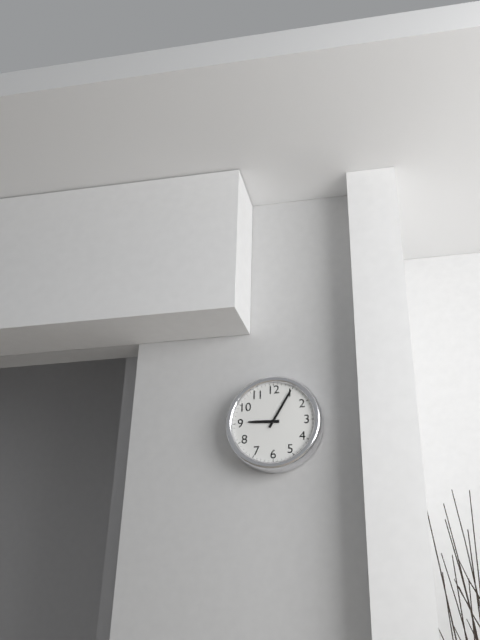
9 h 05 min
